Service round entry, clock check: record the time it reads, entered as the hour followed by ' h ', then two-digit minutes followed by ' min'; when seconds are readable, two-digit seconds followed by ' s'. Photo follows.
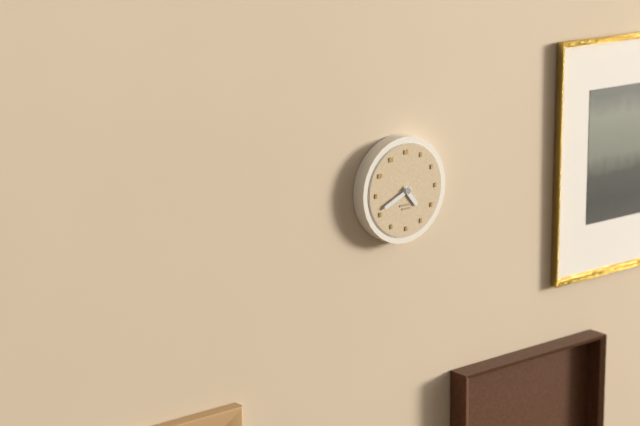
4 h 41 min
